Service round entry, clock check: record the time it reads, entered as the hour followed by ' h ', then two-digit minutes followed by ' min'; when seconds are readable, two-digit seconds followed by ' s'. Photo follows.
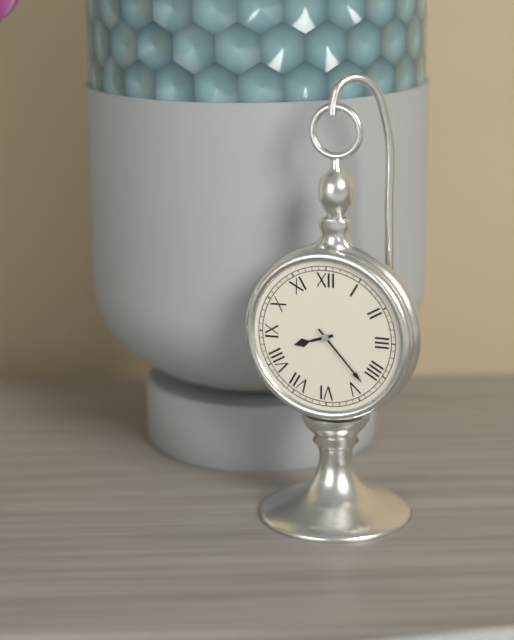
8 h 23 min
